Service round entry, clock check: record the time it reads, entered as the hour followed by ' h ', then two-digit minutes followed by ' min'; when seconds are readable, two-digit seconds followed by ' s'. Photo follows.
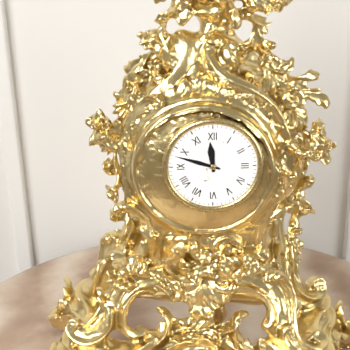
11 h 48 min
